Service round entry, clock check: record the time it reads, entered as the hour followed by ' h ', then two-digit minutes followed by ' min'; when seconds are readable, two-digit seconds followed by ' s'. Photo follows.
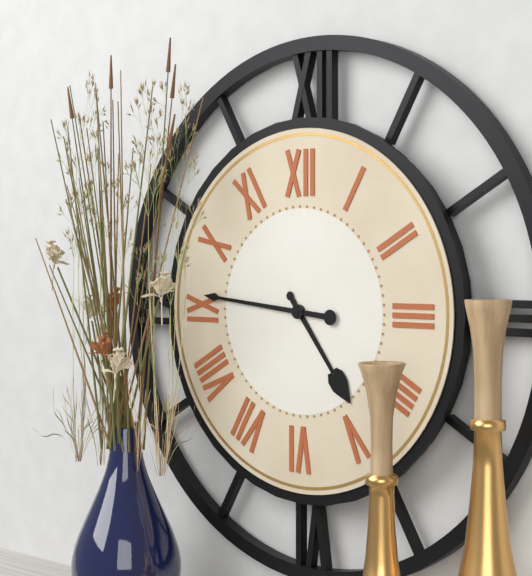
4 h 46 min
